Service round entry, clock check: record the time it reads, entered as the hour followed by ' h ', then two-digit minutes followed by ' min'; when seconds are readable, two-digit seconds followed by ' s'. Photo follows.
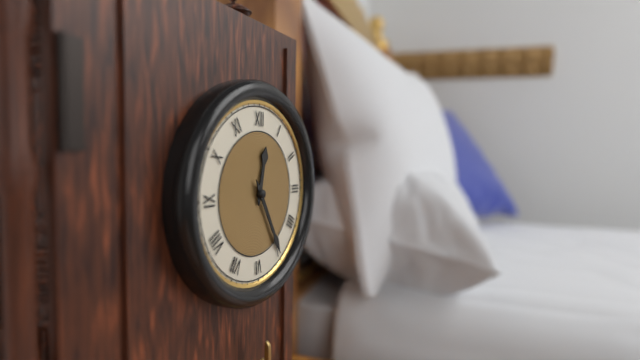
12 h 25 min
